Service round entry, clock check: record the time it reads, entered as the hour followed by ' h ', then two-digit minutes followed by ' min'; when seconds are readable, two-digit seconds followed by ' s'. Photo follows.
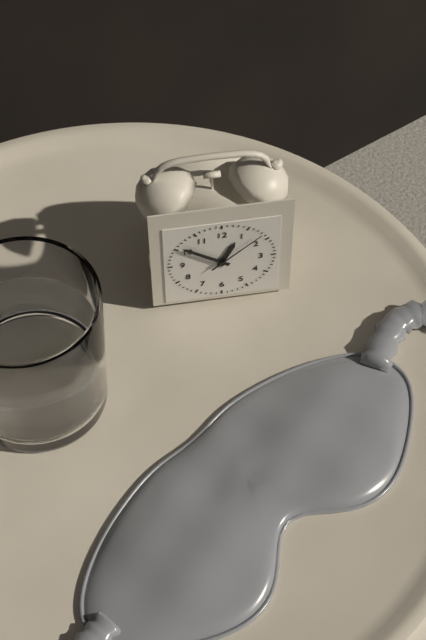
12 h 51 min 08 s
